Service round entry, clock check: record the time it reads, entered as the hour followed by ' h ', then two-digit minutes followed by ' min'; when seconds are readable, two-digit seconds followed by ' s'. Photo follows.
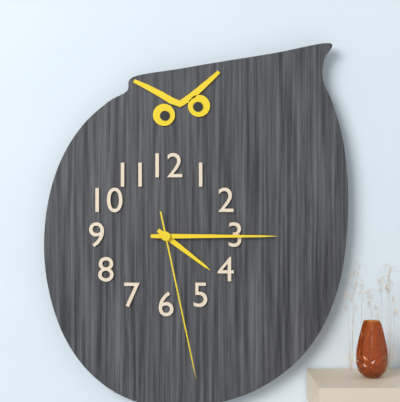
4 h 15 min 28 s
